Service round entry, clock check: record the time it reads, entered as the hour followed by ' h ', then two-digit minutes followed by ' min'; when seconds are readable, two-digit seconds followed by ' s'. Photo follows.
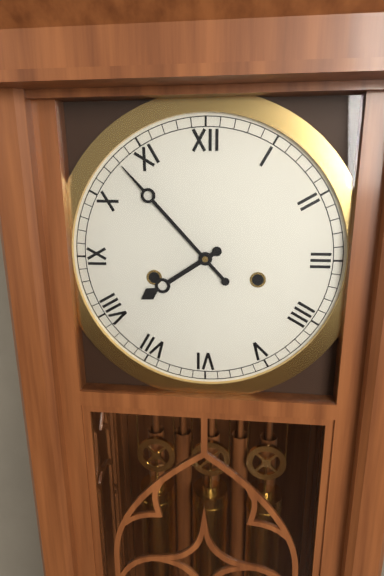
7 h 53 min
